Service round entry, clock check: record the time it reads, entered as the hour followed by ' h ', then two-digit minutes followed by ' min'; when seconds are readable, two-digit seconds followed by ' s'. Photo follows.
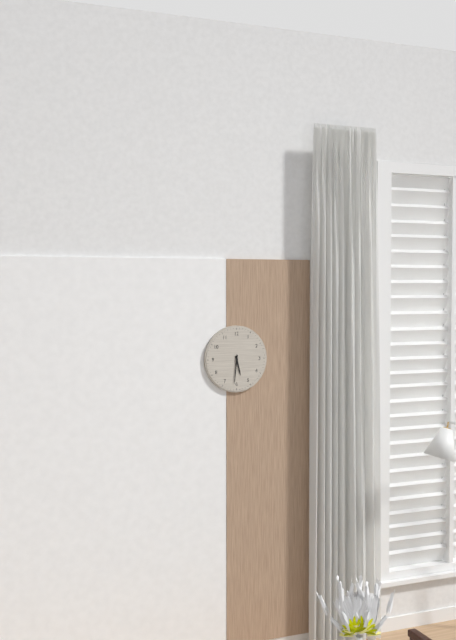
5 h 31 min
